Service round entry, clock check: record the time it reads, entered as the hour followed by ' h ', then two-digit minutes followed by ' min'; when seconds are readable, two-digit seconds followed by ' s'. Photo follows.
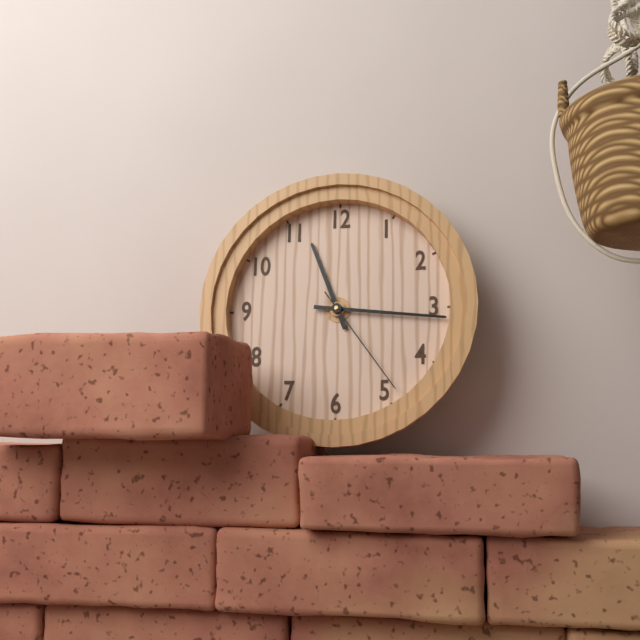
11 h 16 min 24 s
